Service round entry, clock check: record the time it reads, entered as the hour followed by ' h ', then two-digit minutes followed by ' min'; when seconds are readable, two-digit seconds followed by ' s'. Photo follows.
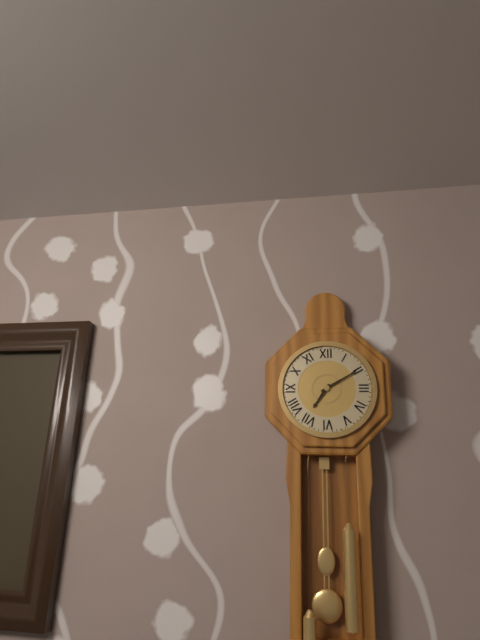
7 h 10 min
